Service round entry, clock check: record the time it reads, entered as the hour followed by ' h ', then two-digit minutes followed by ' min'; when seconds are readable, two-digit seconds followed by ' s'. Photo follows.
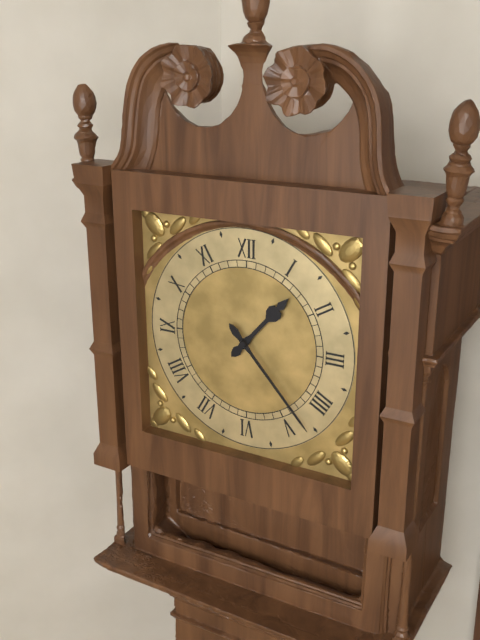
1 h 23 min
